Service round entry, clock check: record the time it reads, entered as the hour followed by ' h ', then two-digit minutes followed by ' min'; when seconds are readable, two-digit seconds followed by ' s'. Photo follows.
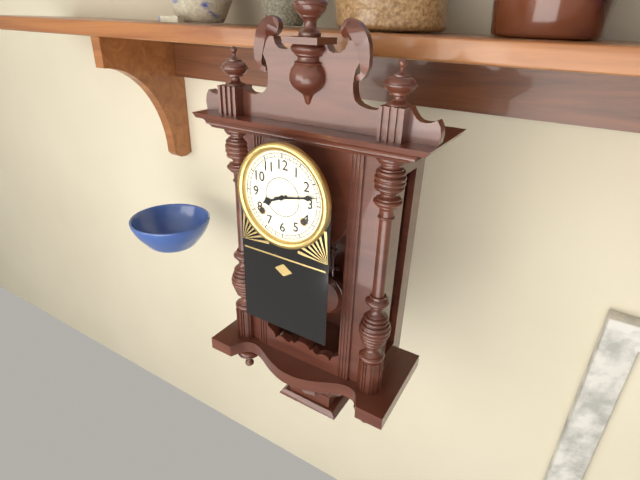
8 h 13 min
